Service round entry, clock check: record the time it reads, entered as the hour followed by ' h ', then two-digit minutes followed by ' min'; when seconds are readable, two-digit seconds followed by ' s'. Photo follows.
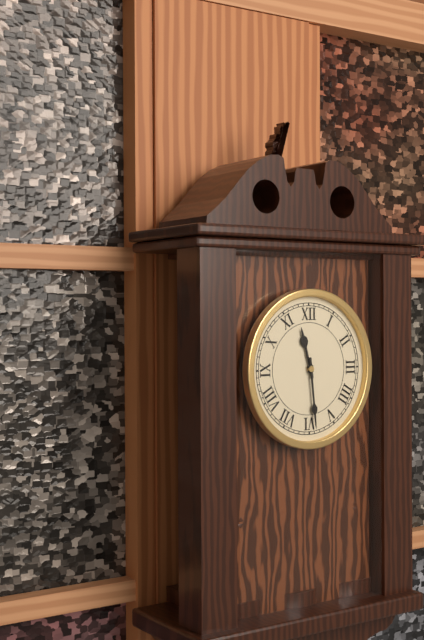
11 h 29 min
